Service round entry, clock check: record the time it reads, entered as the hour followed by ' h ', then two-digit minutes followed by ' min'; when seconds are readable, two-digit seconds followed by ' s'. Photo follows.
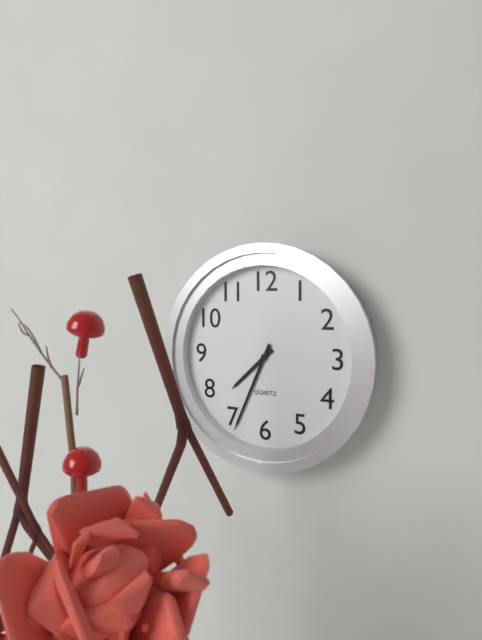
7 h 34 min
